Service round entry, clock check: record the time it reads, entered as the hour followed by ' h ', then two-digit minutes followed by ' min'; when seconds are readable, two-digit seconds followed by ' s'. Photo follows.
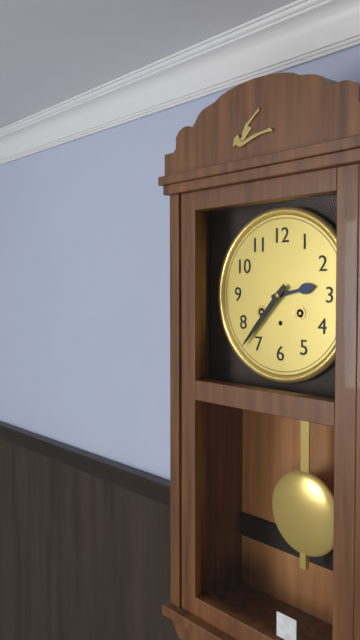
2 h 37 min
